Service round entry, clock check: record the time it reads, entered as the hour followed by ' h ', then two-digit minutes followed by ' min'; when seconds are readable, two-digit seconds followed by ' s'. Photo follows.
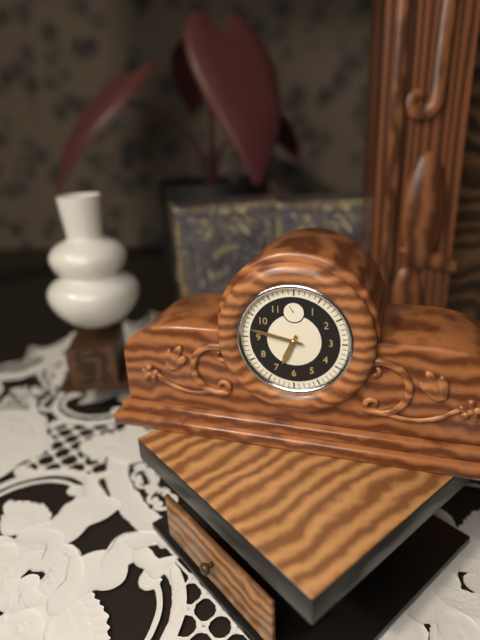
6 h 47 min
